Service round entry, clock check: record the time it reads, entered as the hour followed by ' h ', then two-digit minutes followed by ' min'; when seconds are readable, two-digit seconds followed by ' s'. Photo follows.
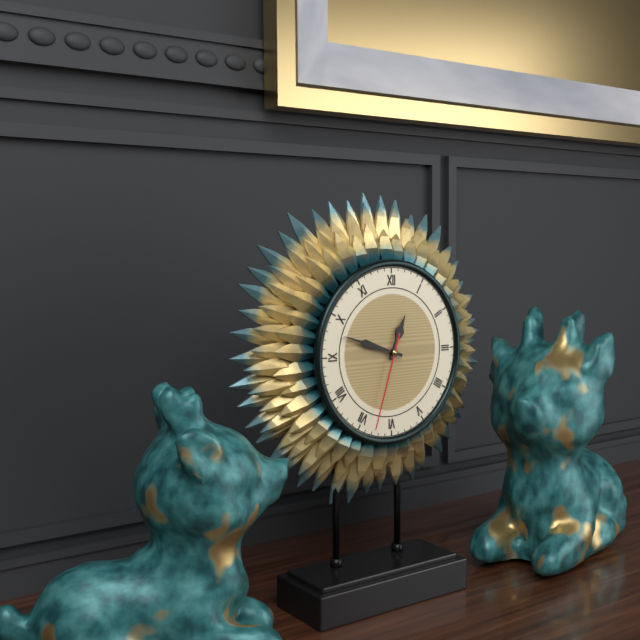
12 h 48 min 33 s
